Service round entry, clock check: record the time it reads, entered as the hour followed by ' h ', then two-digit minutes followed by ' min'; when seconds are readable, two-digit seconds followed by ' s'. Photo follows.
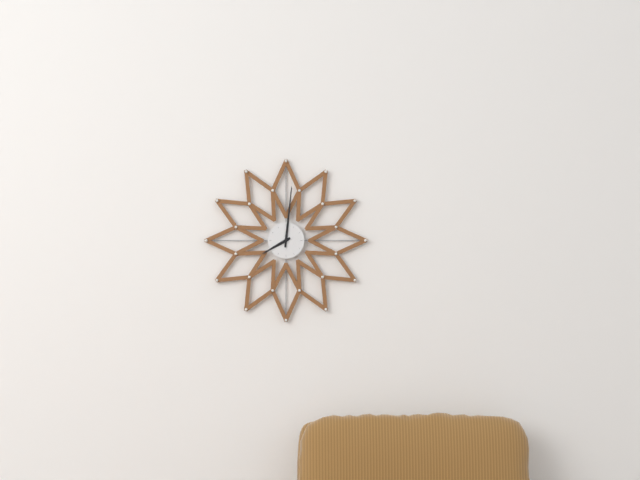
8 h 01 min
